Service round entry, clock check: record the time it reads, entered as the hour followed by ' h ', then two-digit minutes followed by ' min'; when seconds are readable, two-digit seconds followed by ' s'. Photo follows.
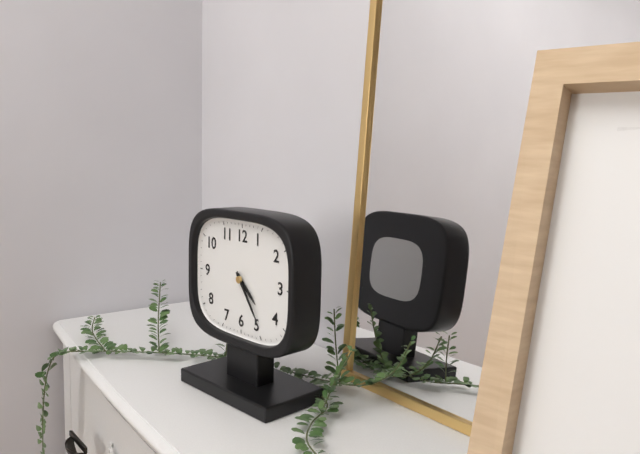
4 h 24 min
